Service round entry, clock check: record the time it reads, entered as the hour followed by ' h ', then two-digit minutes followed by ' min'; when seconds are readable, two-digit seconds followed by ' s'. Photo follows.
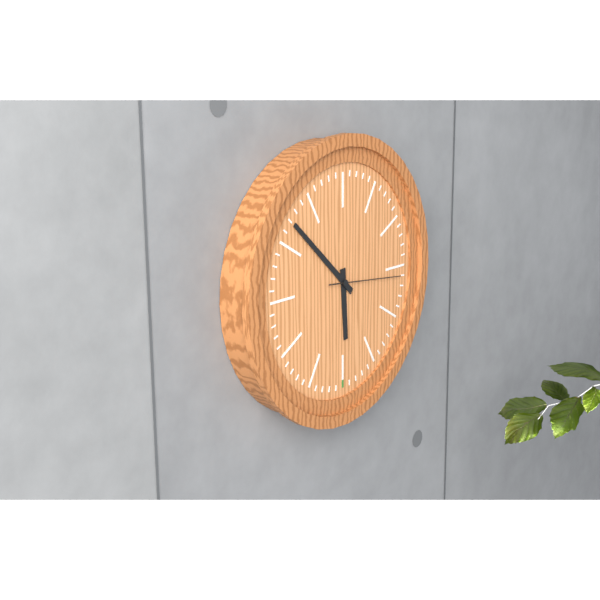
5 h 52 min 16 s
